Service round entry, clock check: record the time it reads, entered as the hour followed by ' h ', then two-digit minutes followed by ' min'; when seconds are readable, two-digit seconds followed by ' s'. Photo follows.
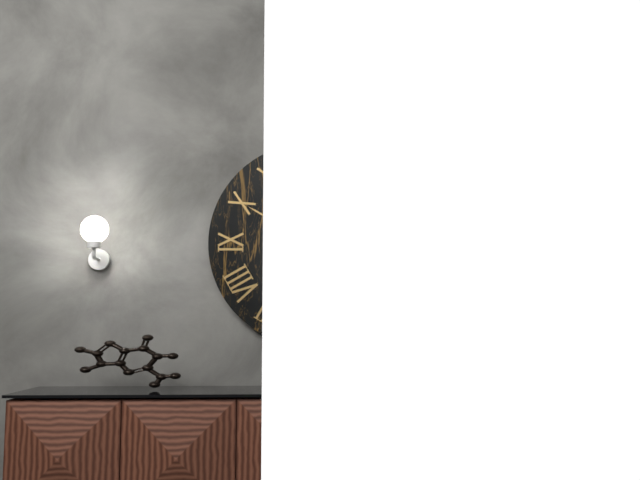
10 h 50 min
